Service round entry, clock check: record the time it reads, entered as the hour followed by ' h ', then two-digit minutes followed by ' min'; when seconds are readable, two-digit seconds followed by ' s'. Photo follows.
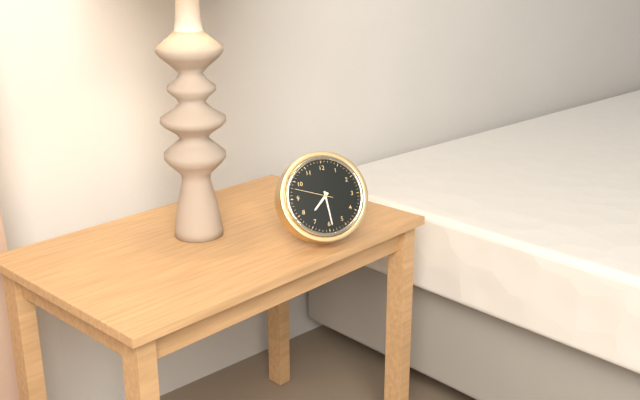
7 h 29 min
